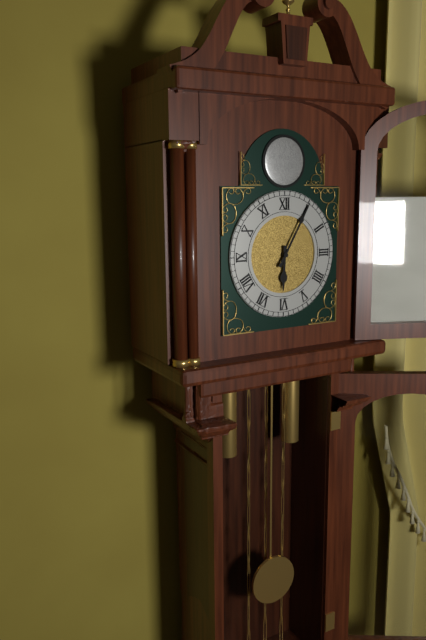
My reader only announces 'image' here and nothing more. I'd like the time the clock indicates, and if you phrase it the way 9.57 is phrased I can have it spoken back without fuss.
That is 6.05
